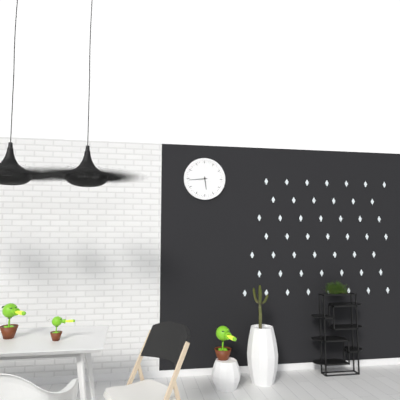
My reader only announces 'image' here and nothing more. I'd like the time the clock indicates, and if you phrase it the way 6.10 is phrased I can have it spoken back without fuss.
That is 5.44
